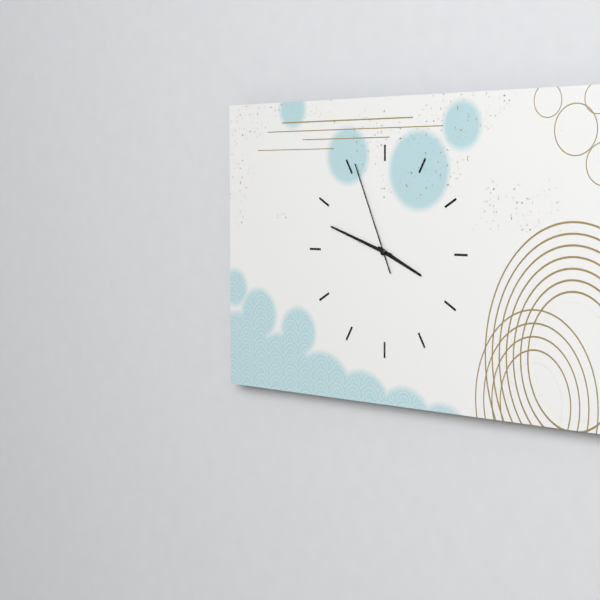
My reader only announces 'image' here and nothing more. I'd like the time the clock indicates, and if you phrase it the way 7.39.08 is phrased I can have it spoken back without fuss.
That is 3.48.56
